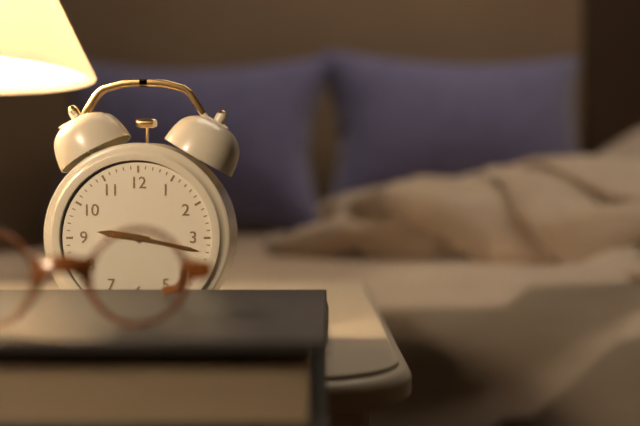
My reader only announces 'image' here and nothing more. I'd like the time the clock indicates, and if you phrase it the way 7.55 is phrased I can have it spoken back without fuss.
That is 9.17
